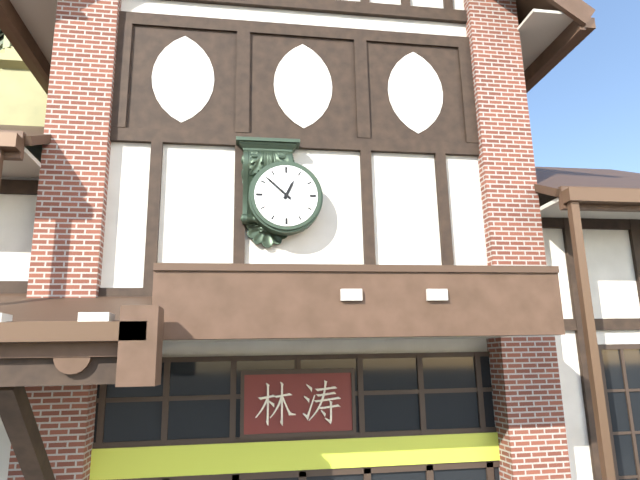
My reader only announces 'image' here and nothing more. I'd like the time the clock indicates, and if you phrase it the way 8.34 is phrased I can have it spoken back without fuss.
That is 12.52
